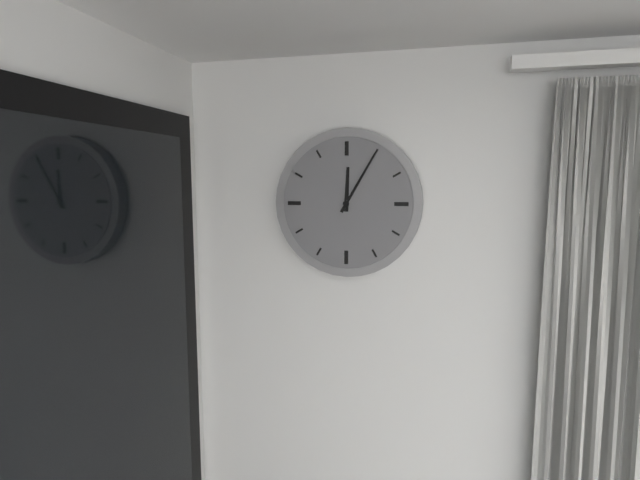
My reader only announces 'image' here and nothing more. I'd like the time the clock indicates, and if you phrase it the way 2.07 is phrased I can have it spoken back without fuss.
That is 12.05
